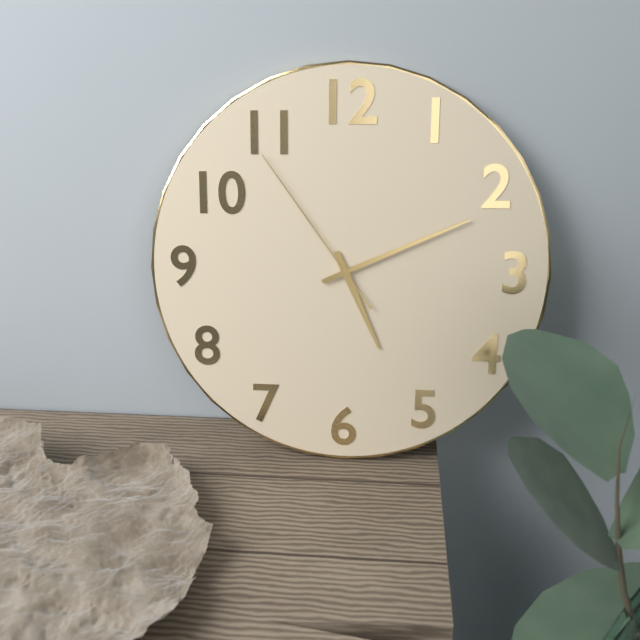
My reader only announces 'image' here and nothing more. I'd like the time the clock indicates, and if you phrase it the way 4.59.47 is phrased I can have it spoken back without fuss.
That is 5.11.54
